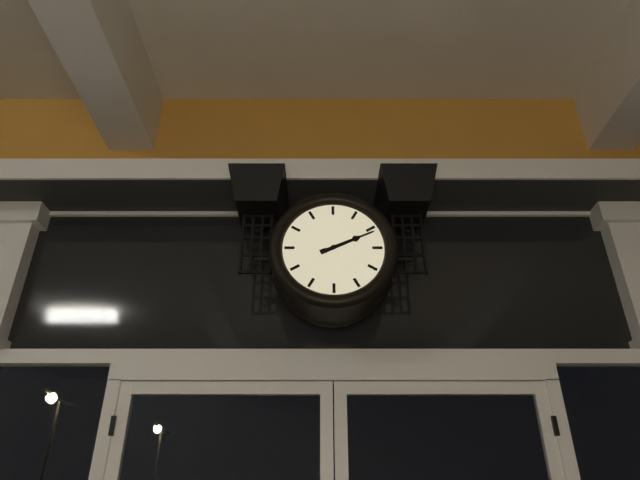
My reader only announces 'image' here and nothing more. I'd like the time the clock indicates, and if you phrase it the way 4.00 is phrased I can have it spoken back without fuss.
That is 2.11
